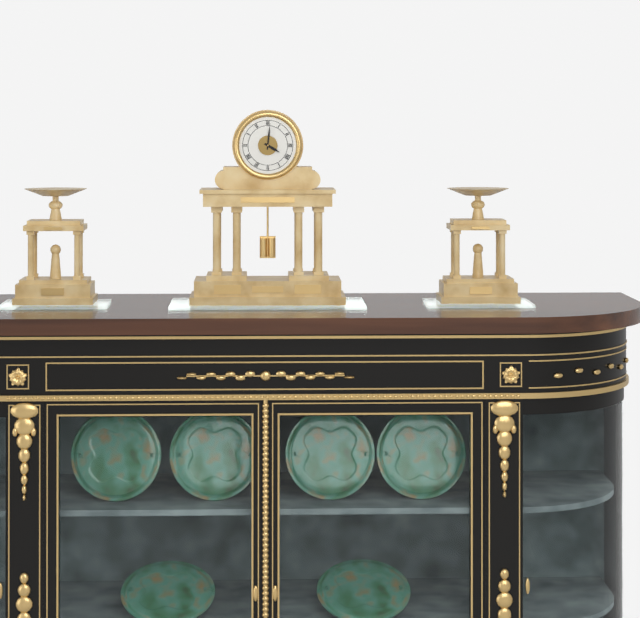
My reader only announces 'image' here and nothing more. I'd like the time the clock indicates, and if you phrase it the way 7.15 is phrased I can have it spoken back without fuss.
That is 4.01
